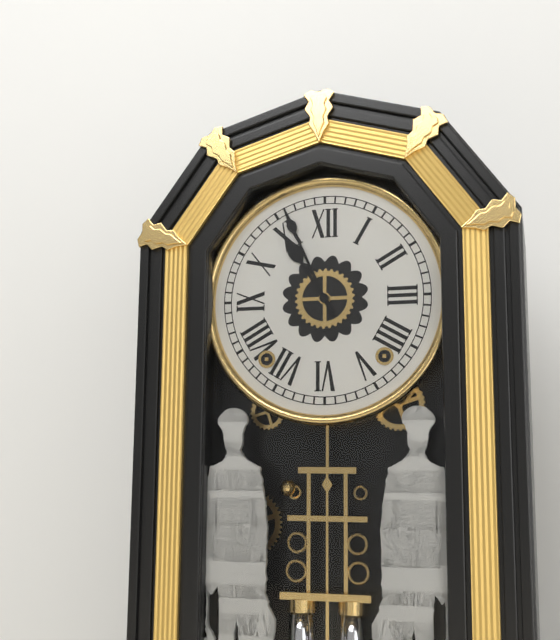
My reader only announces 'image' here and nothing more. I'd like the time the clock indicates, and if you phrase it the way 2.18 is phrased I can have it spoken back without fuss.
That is 10.56
